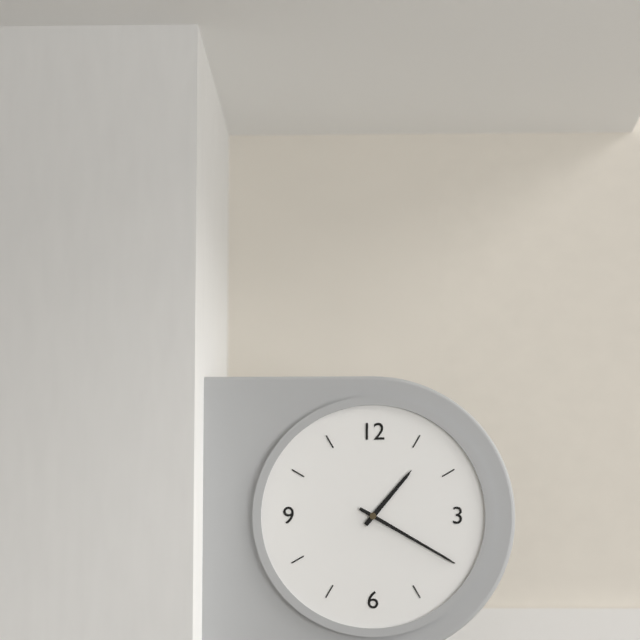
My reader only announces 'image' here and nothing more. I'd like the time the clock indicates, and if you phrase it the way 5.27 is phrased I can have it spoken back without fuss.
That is 1.20
